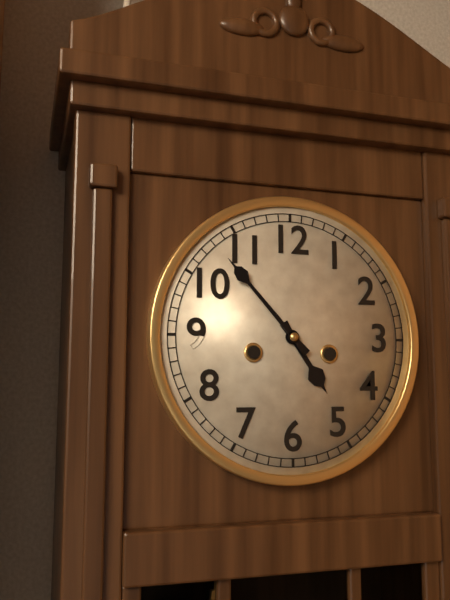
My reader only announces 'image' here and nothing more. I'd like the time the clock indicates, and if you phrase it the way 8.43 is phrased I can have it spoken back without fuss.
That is 4.53
